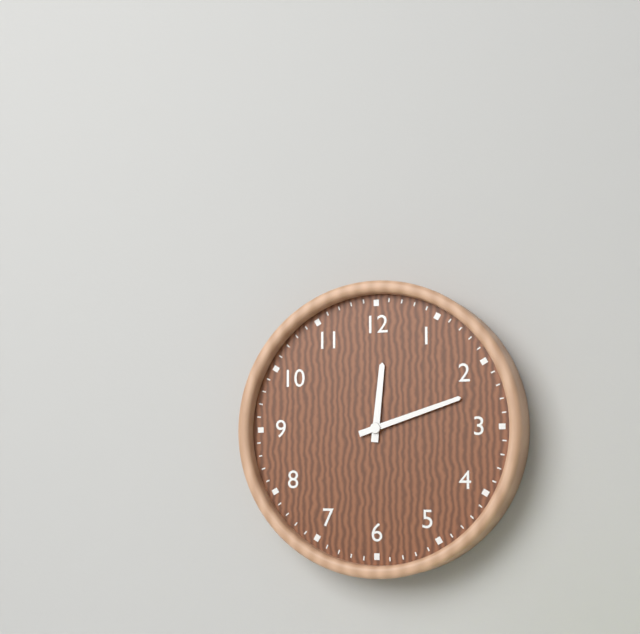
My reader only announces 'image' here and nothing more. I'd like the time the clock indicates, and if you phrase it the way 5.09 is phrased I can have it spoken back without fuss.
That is 12.12
